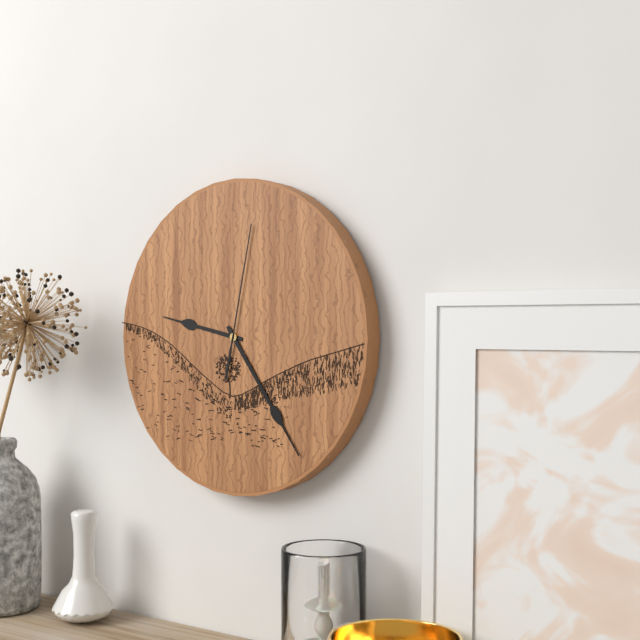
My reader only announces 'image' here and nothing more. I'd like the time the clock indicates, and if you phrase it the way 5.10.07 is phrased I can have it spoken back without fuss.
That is 9.24.02
